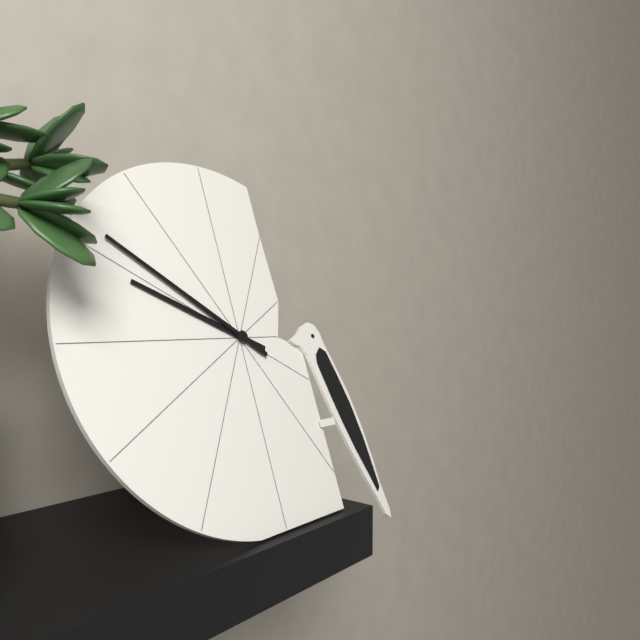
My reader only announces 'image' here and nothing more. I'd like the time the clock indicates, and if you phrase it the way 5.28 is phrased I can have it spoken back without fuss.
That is 9.51
